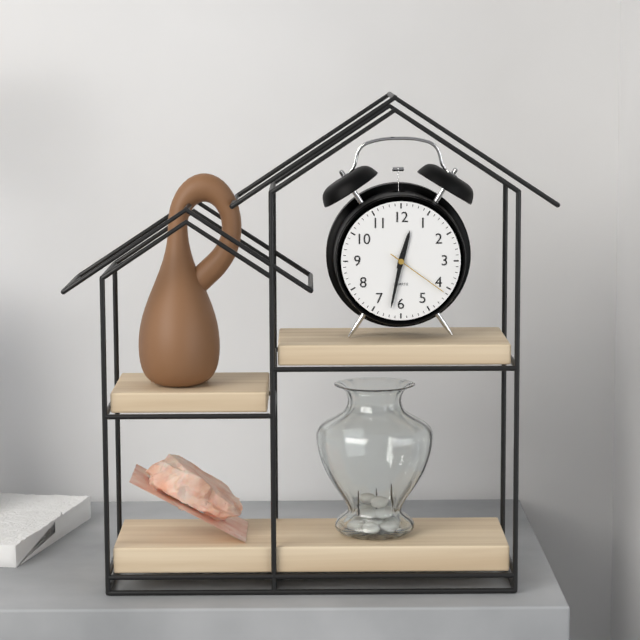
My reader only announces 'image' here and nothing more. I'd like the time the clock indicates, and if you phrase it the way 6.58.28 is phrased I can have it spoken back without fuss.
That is 12.32.21
